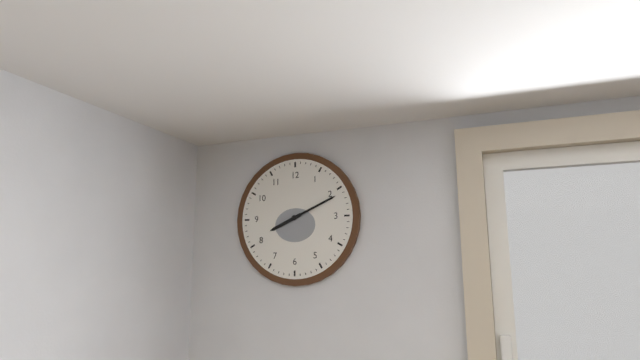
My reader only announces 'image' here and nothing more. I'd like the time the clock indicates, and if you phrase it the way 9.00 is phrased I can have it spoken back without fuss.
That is 8.11
